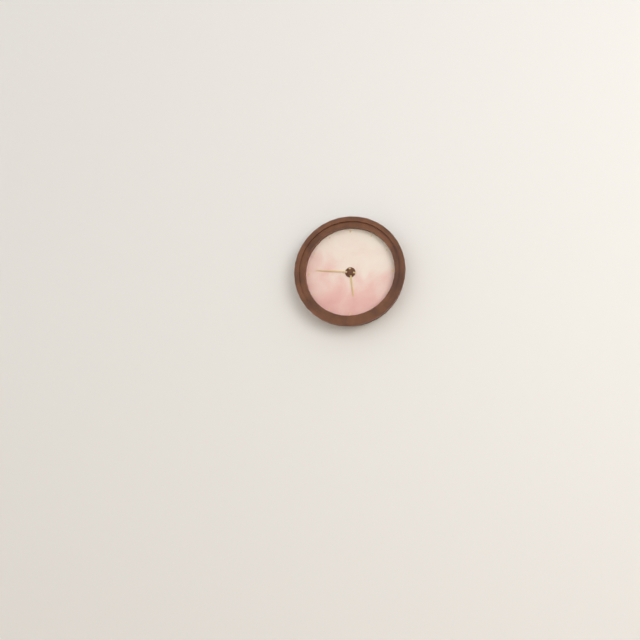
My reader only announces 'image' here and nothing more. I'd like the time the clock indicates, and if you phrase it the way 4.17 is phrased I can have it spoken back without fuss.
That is 5.46
